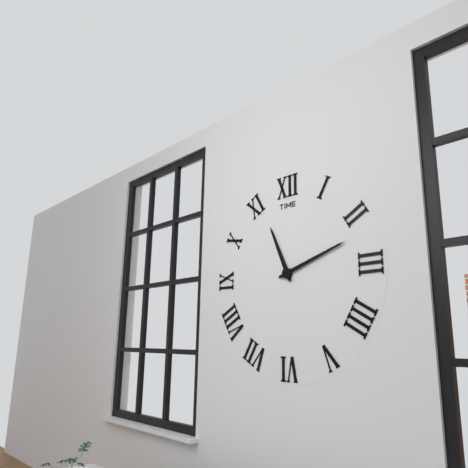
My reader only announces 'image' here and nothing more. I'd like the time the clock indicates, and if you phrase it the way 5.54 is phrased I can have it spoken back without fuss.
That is 11.12
